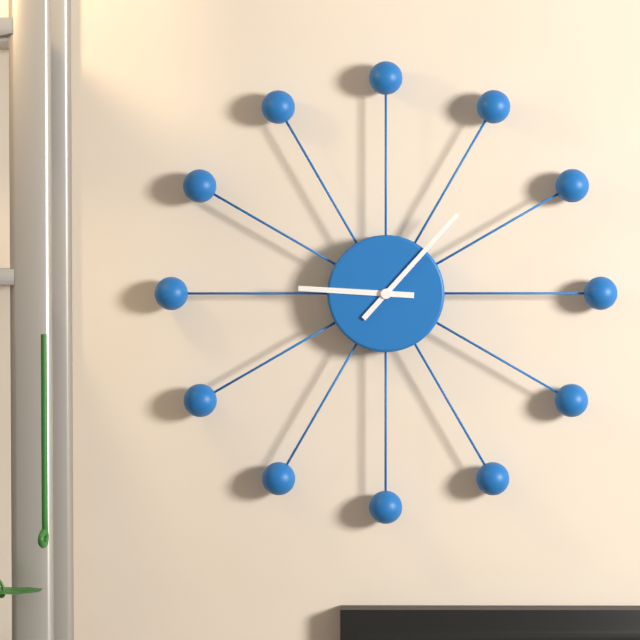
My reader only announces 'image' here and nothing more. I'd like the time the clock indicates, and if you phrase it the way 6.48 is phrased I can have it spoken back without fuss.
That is 9.07
